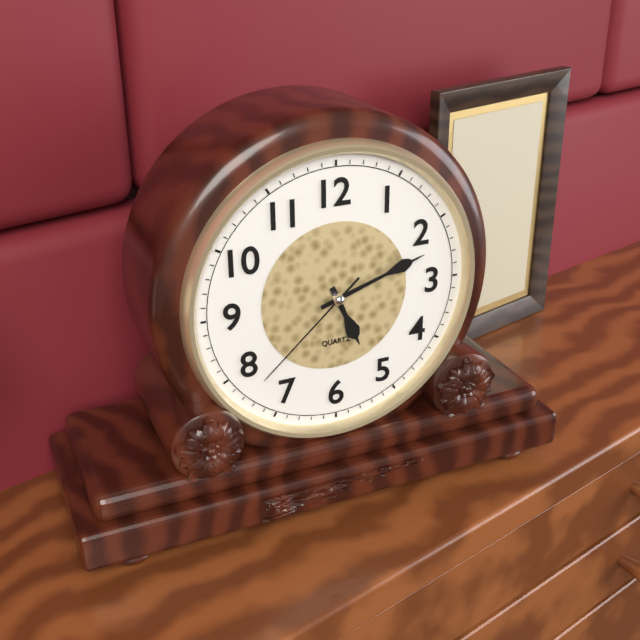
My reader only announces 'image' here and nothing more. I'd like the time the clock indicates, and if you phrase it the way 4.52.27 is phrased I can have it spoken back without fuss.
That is 5.12.38
